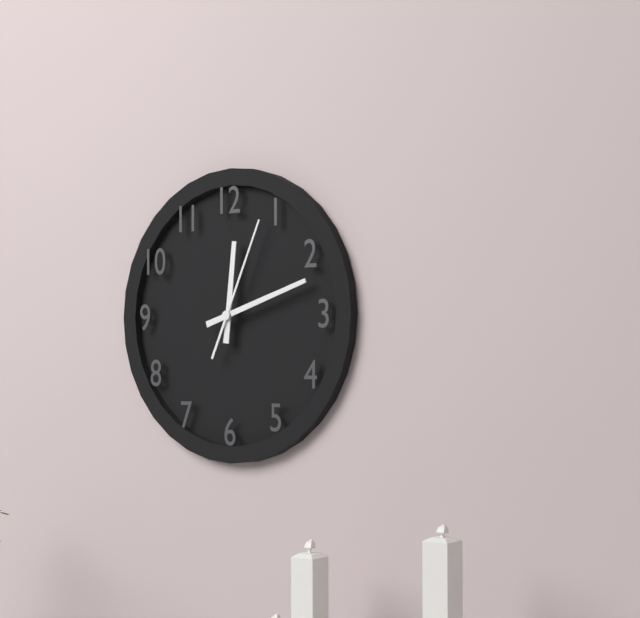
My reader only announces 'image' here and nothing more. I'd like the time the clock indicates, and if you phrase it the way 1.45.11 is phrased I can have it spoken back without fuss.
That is 12.12.04
